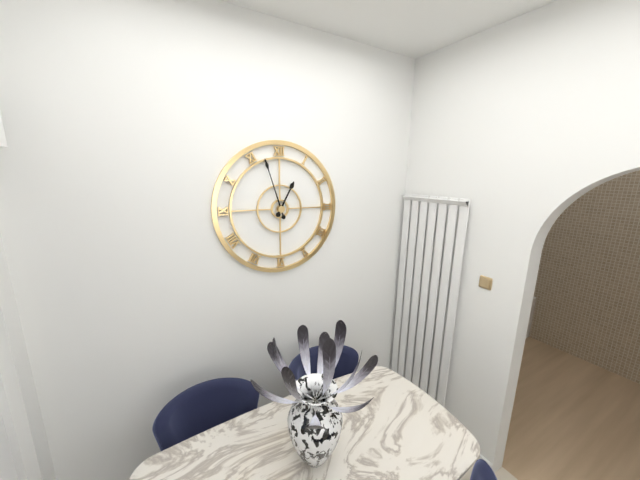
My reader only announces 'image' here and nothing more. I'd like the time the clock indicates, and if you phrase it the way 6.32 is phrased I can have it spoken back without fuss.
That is 12.57
